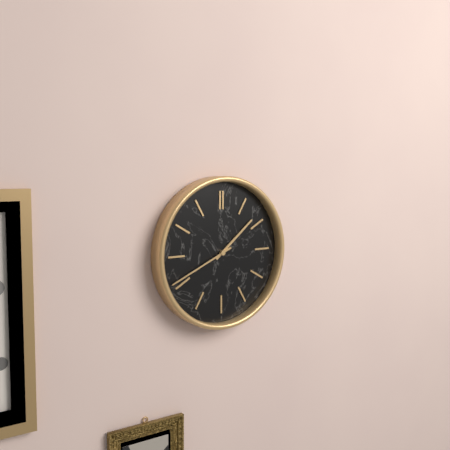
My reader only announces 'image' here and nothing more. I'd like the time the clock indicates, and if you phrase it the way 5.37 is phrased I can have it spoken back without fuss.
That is 1.41
